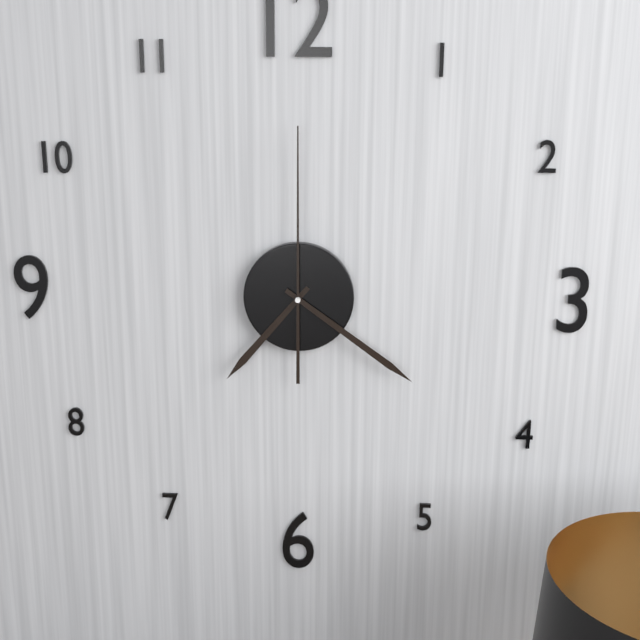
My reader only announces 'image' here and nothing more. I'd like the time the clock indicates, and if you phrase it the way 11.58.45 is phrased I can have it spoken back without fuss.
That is 7.21.00
